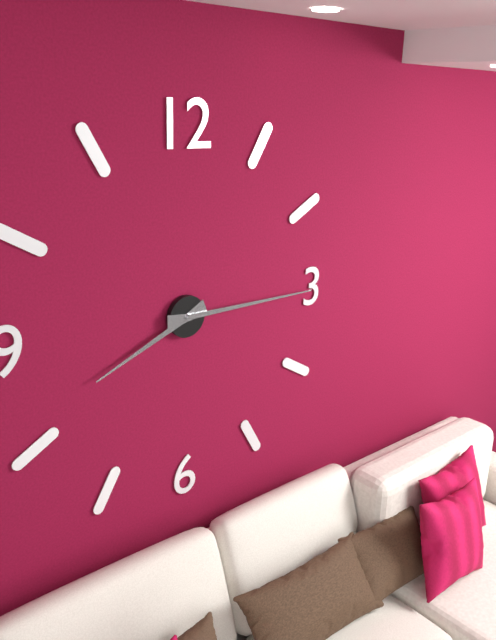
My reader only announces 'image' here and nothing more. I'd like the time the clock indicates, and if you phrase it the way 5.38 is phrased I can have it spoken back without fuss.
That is 8.15
